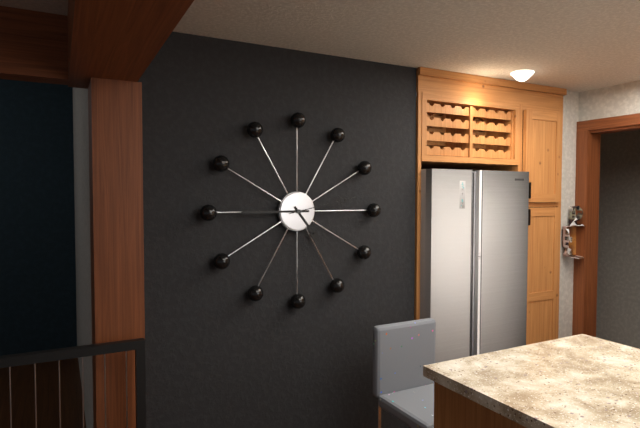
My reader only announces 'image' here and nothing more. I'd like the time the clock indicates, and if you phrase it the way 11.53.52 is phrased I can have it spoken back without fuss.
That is 4.45.13
